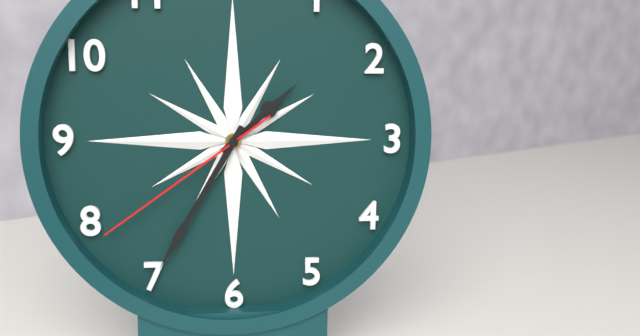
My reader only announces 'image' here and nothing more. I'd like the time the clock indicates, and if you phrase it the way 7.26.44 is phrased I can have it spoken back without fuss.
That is 1.35.39
